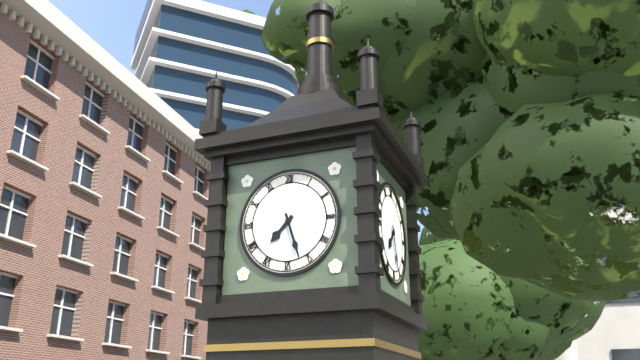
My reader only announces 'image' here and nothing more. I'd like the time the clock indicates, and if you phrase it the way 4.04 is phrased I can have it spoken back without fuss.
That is 7.27
